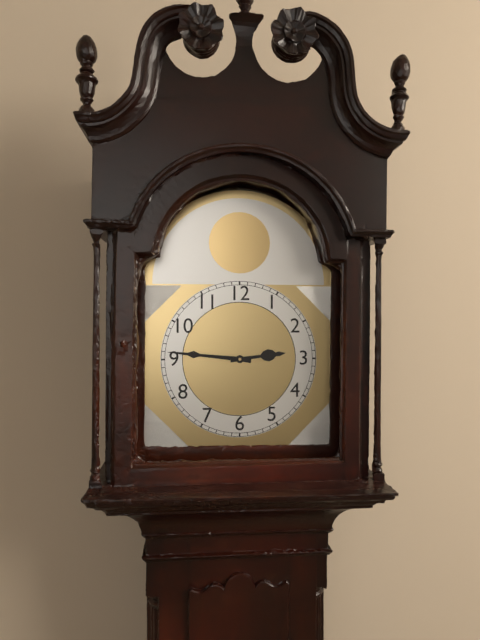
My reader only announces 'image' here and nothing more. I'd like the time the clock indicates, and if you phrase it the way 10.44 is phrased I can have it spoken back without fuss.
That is 2.46
